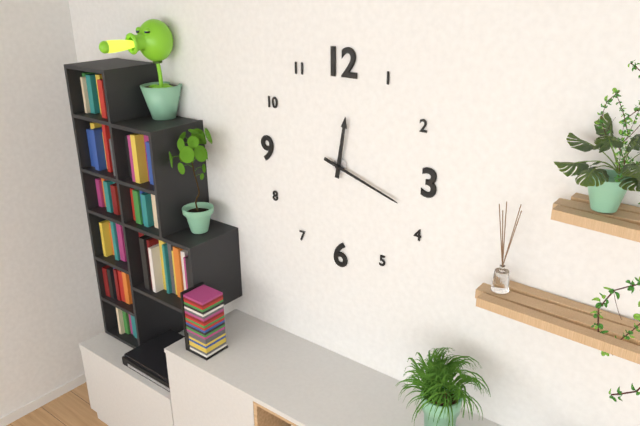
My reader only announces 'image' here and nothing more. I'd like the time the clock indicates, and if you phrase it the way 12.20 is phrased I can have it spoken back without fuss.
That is 12.18
